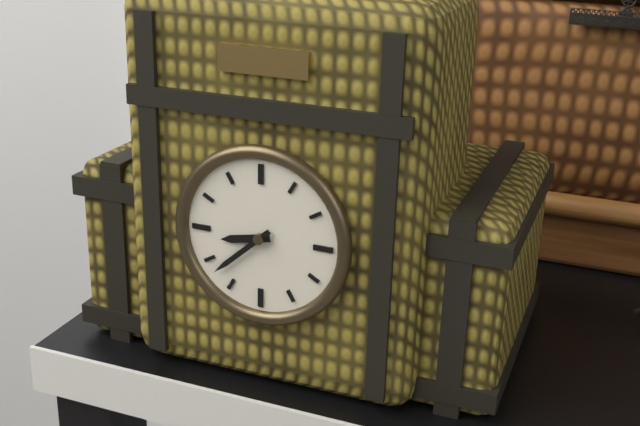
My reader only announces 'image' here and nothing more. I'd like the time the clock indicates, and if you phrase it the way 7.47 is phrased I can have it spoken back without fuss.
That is 8.38
